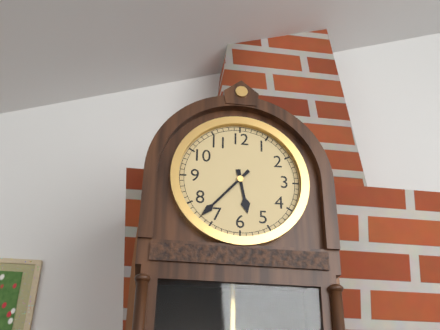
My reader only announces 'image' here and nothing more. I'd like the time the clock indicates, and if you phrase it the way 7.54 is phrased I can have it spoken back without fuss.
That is 5.37
